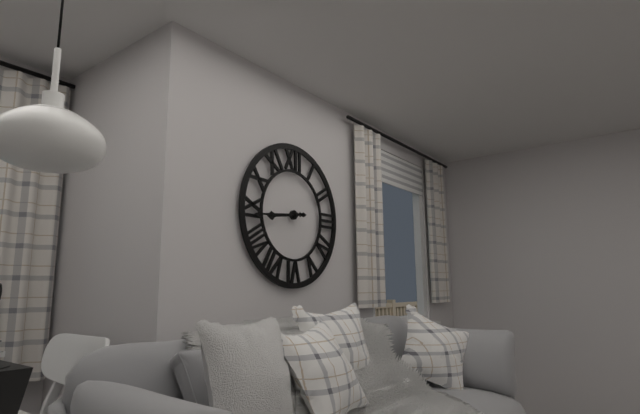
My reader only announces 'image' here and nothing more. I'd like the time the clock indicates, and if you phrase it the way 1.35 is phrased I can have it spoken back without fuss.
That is 8.44
